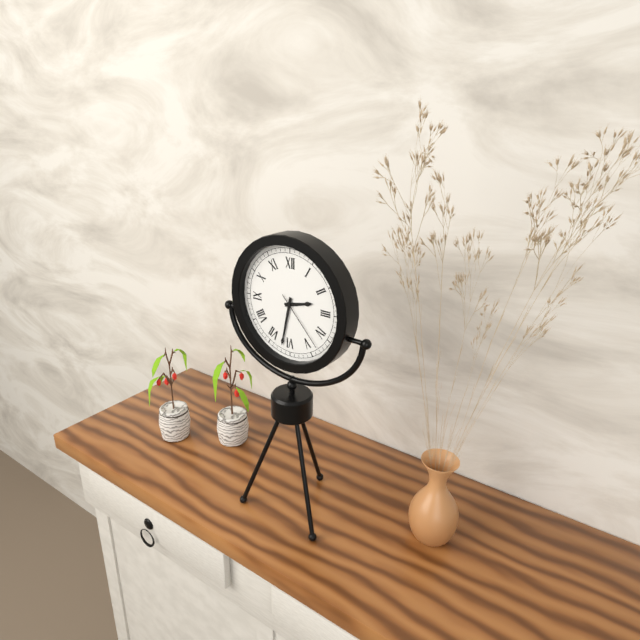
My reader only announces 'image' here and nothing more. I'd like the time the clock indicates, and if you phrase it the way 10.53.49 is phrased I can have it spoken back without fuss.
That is 2.32.23
